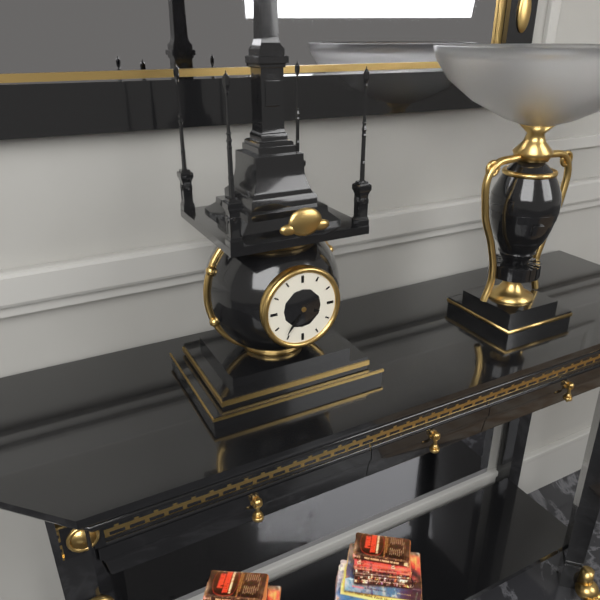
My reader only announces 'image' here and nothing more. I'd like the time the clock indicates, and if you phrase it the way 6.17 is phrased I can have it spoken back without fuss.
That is 3.36
